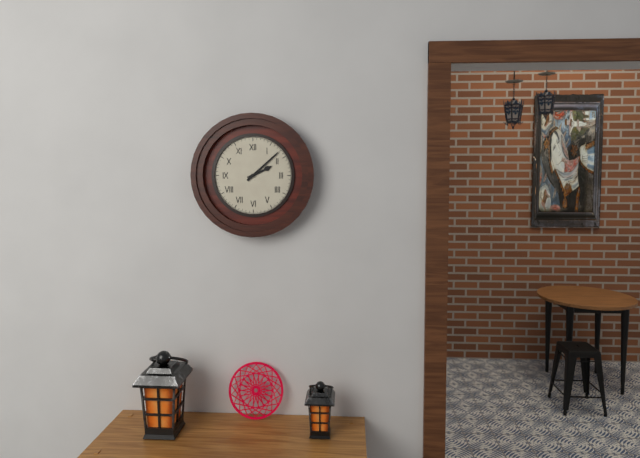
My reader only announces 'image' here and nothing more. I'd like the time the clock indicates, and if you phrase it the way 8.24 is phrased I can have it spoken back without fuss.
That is 2.08
